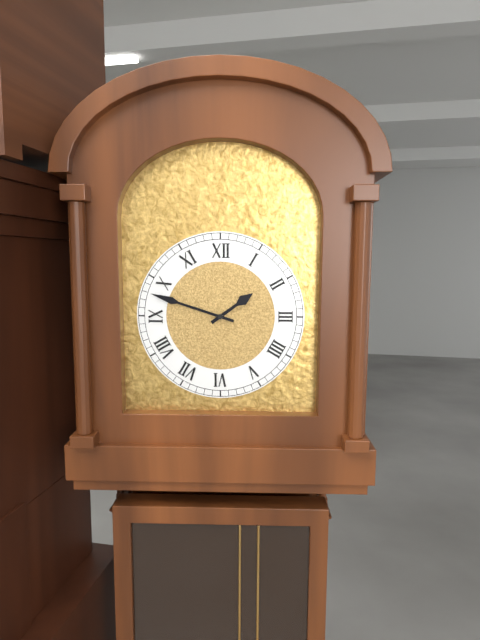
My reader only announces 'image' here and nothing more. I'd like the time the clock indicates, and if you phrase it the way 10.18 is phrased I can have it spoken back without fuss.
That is 1.48
